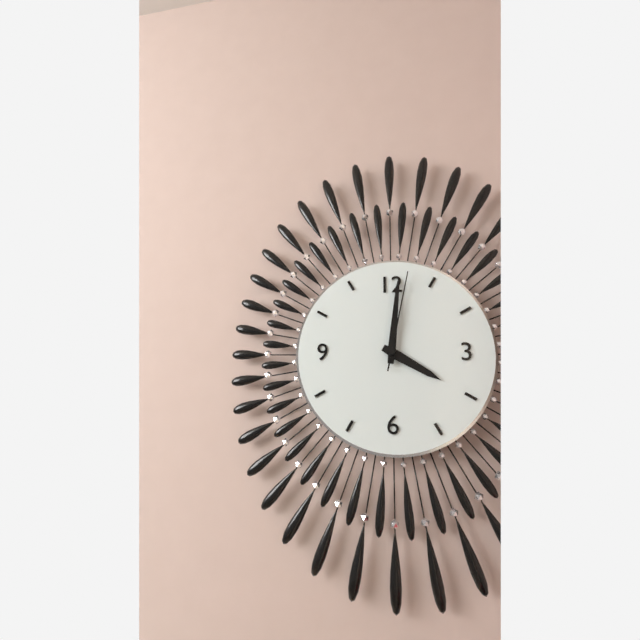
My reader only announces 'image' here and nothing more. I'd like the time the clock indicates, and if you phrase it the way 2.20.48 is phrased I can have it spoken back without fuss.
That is 4.01.02
